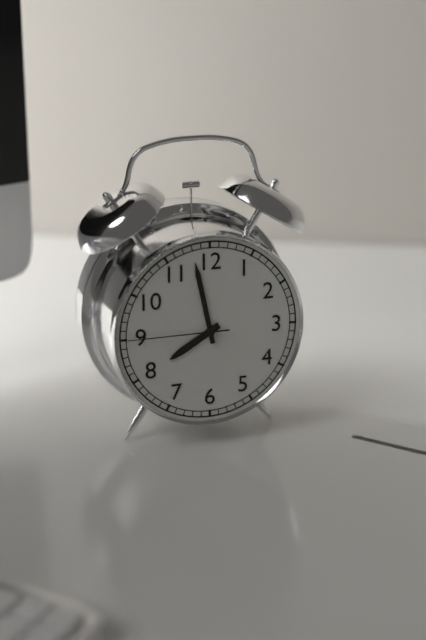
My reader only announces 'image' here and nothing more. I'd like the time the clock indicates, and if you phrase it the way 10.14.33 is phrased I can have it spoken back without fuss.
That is 7.58.45
